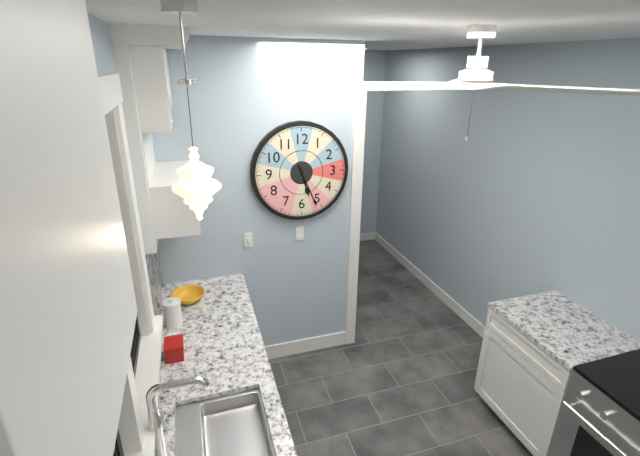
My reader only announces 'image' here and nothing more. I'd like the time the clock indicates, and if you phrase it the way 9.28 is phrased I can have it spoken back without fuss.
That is 5.26
